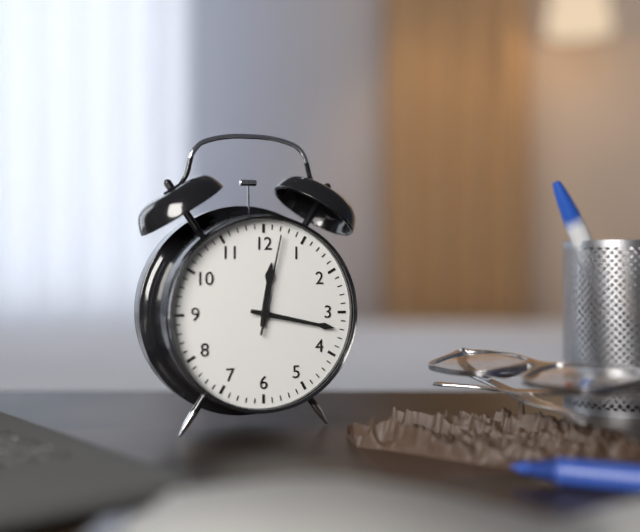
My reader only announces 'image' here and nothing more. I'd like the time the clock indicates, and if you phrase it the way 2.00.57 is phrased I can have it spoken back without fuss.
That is 12.17.02
